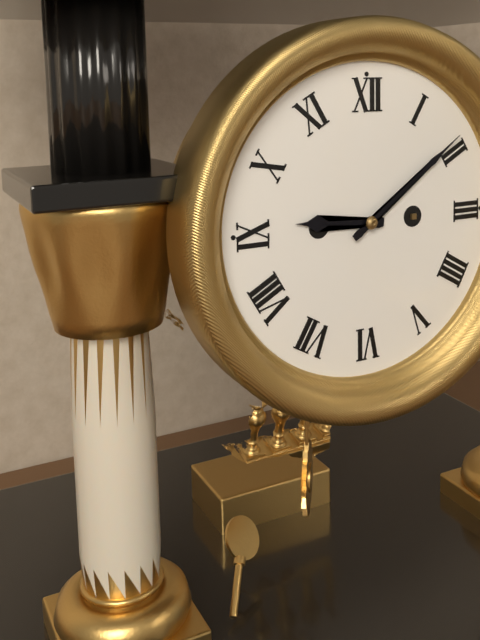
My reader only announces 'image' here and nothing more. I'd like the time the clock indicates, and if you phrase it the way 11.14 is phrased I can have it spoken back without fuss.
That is 9.09
